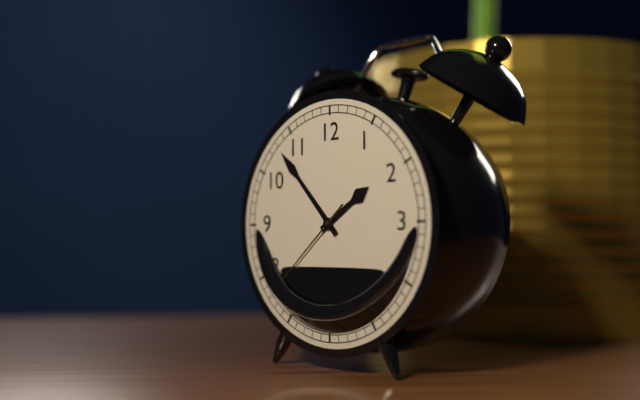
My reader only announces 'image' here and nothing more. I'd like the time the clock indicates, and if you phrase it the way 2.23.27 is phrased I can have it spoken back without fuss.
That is 1.53.38
